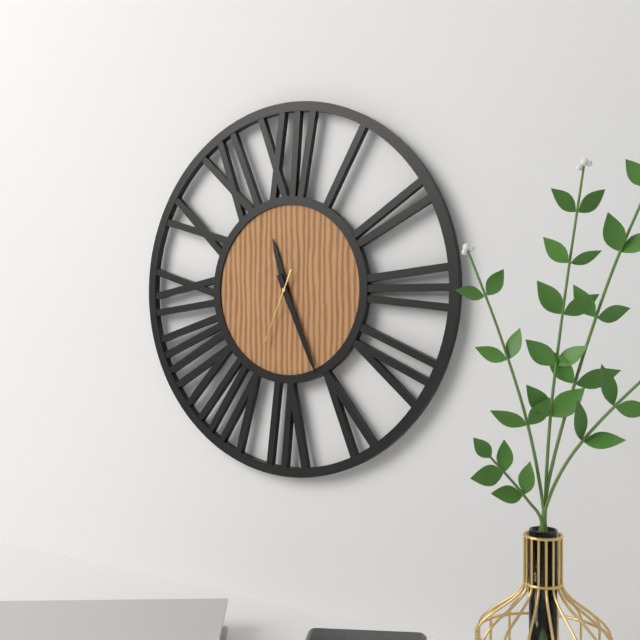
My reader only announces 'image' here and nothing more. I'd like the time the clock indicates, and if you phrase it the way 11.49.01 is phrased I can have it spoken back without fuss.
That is 11.26.34
